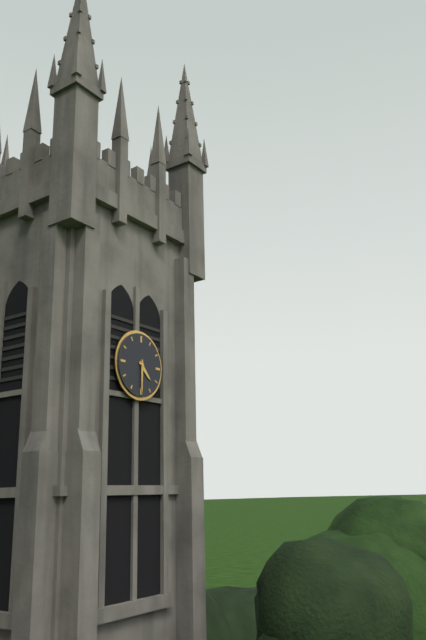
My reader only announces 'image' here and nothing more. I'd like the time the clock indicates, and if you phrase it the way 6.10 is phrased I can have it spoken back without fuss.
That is 4.30
